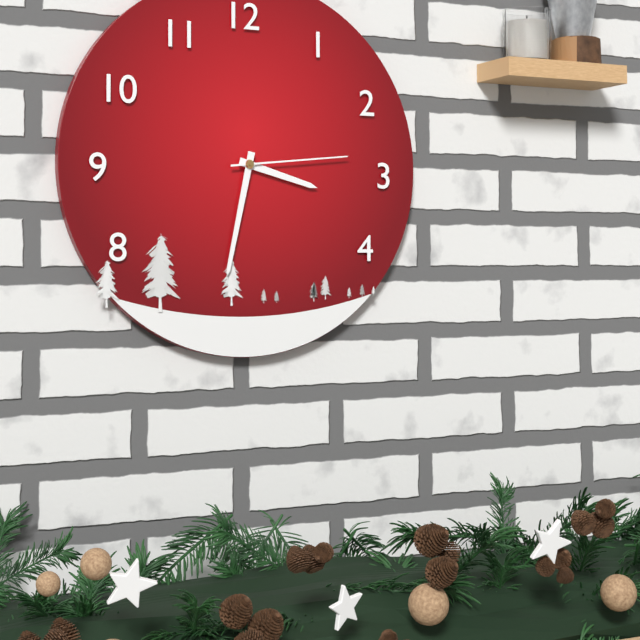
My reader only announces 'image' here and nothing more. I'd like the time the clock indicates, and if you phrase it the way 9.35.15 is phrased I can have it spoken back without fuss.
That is 3.32.14
